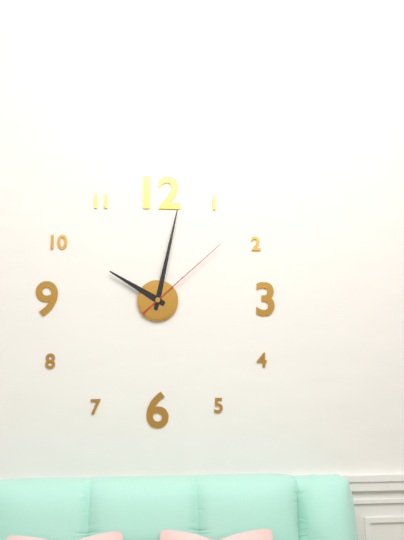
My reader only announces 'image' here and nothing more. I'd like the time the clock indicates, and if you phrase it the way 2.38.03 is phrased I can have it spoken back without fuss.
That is 10.02.08
